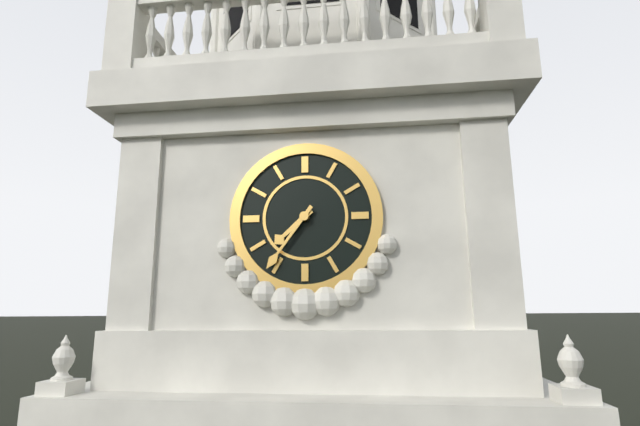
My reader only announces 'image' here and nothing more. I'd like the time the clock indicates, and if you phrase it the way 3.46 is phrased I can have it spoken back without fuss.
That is 7.36
